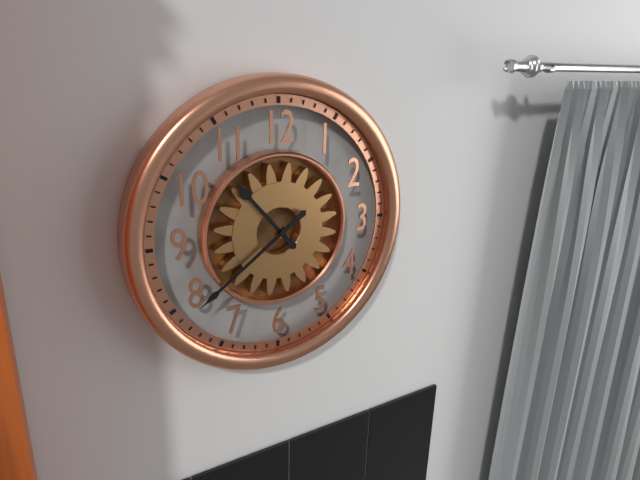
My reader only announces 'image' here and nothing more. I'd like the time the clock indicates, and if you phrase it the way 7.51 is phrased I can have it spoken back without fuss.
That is 10.39
